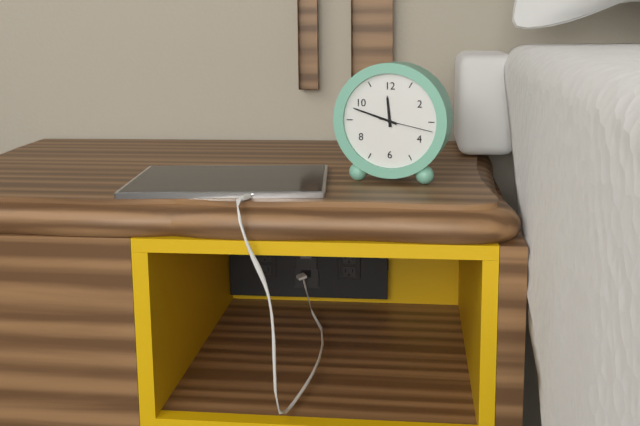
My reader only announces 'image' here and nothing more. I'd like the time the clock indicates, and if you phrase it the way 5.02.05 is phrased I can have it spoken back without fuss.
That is 11.48.17
